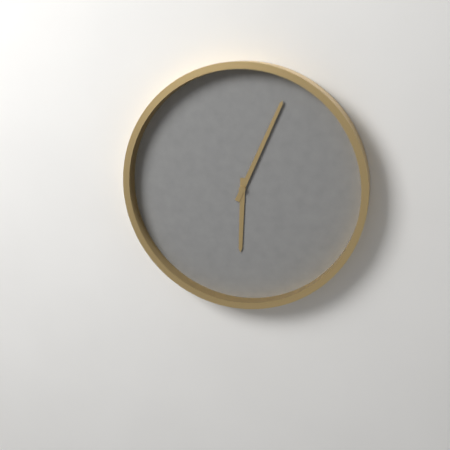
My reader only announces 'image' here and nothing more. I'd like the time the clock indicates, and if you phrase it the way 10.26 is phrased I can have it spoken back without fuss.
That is 6.04
